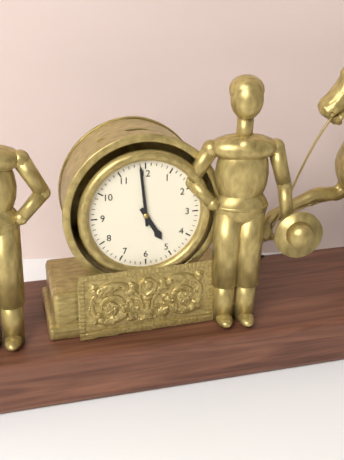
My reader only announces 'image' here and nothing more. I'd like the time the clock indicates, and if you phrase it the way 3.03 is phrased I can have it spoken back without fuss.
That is 4.59
